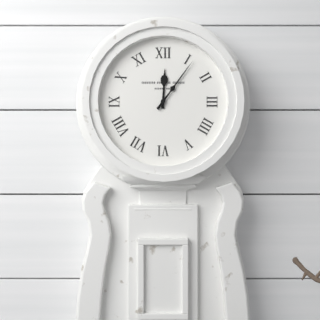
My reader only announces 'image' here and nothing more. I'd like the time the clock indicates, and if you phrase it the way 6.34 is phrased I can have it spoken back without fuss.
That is 12.06
